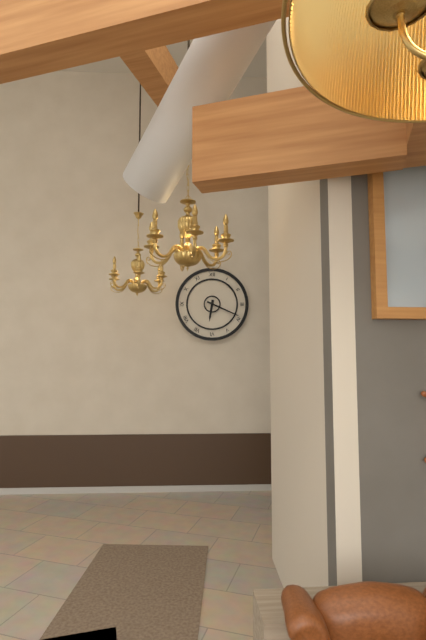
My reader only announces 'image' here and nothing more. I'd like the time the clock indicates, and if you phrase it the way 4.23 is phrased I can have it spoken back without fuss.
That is 6.19
